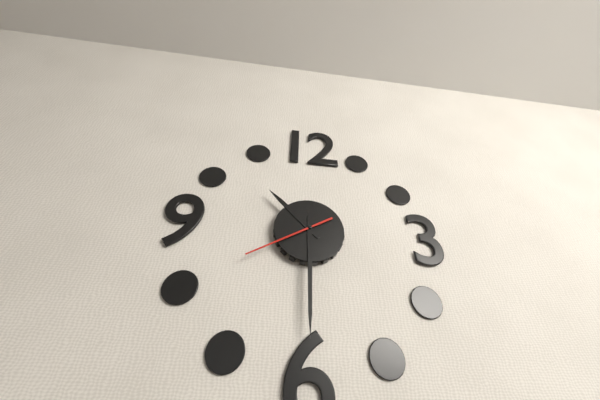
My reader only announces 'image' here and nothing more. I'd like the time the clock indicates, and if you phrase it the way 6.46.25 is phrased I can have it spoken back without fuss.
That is 10.30.40
